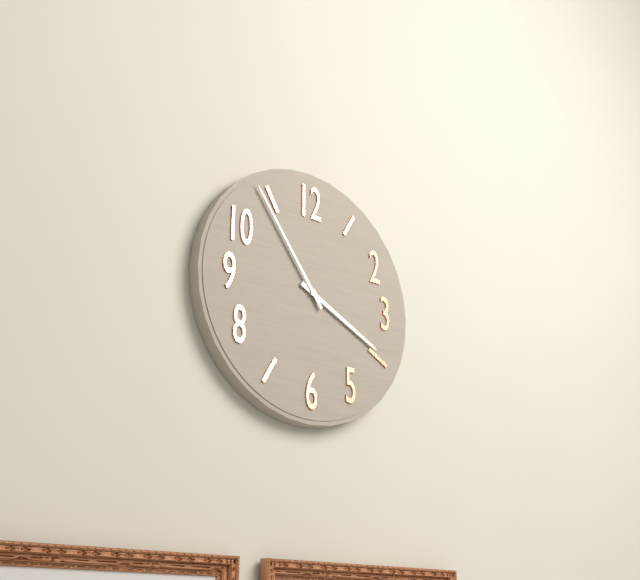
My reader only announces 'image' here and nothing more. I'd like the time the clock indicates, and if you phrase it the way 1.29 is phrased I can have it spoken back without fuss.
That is 3.54
